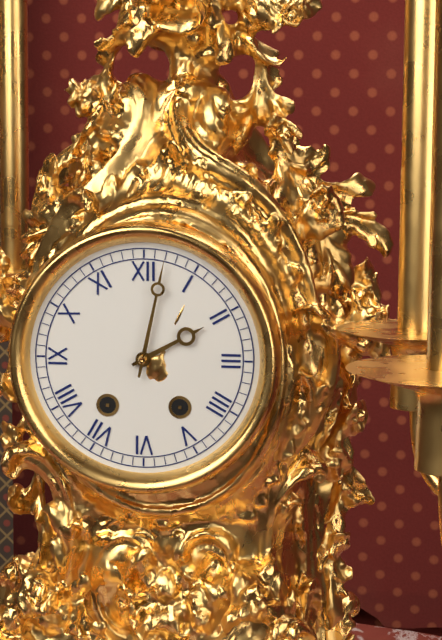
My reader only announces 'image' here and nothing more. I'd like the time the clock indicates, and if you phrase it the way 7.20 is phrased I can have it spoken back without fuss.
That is 2.02
